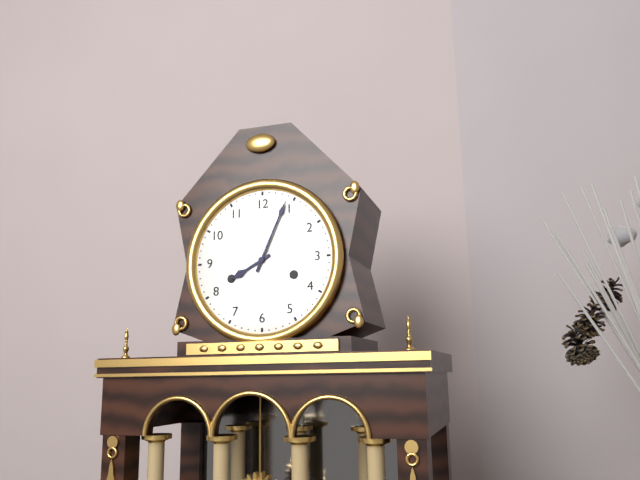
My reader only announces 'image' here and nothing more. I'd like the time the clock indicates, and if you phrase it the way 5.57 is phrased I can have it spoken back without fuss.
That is 8.04
